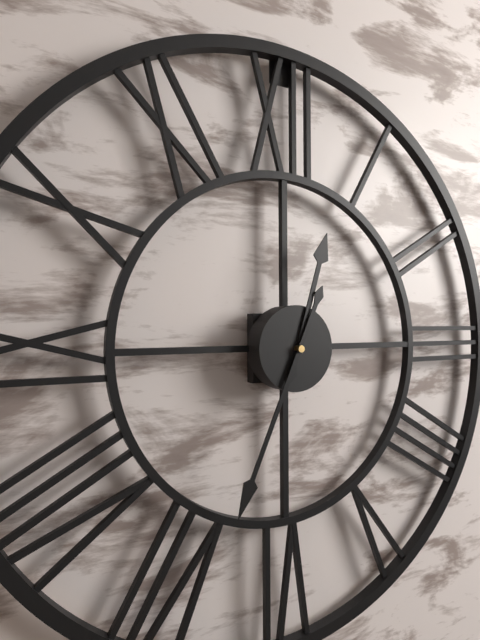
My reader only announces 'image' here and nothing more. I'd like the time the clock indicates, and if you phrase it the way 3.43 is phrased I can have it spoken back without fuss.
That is 12.34
